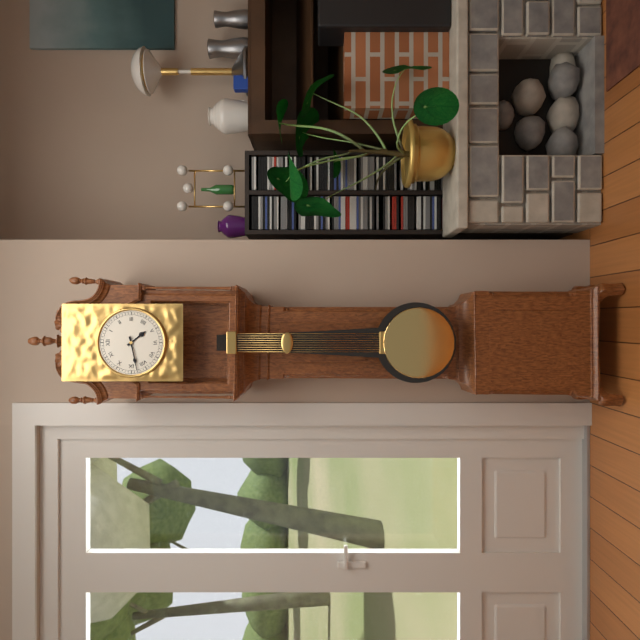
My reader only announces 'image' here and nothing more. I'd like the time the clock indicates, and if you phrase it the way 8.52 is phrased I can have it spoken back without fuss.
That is 4.43
